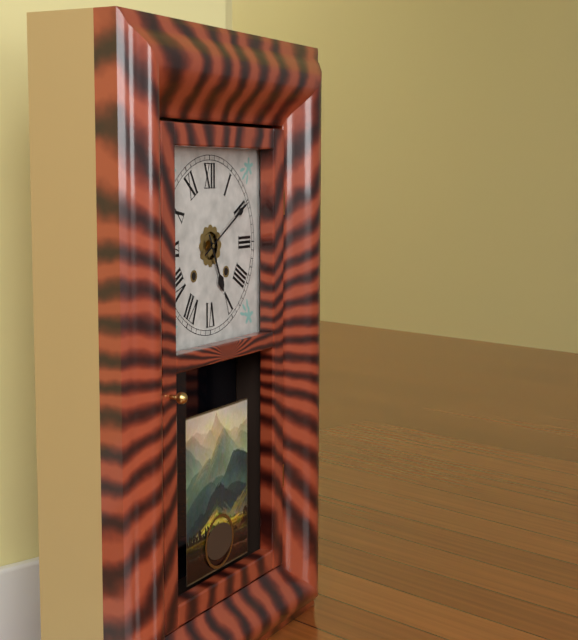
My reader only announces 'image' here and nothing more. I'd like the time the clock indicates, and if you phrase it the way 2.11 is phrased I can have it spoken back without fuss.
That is 5.10
